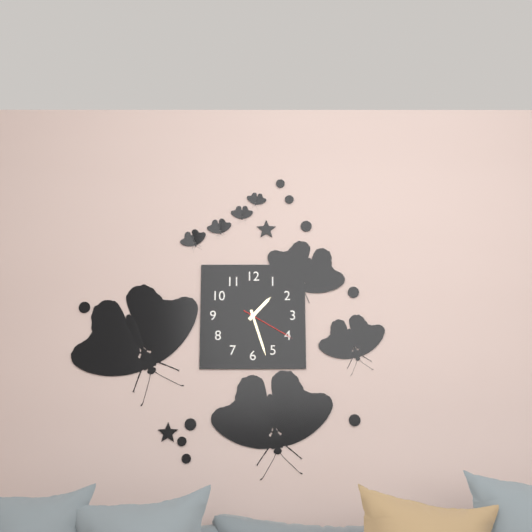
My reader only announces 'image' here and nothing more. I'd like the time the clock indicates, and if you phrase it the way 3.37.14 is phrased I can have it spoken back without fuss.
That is 1.27.20
